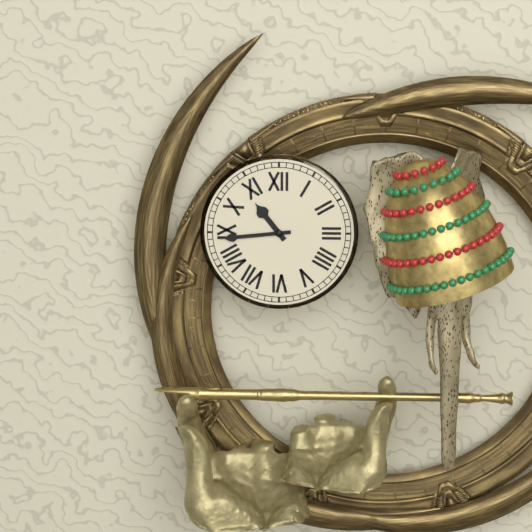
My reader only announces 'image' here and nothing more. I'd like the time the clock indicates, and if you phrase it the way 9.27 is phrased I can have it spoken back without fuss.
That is 10.44
